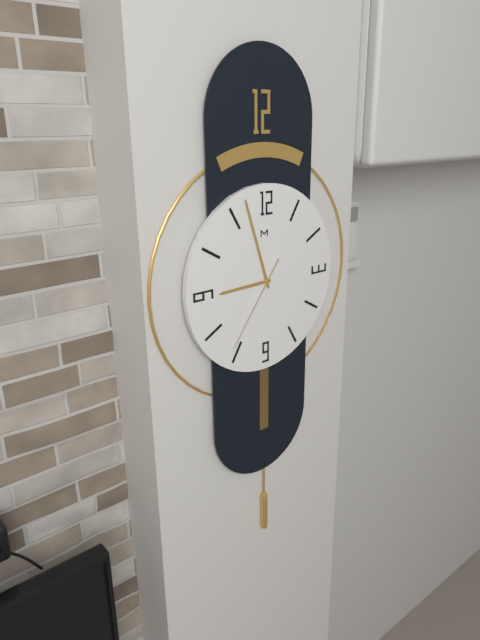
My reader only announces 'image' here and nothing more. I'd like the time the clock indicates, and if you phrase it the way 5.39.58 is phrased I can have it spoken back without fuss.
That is 8.57.36
